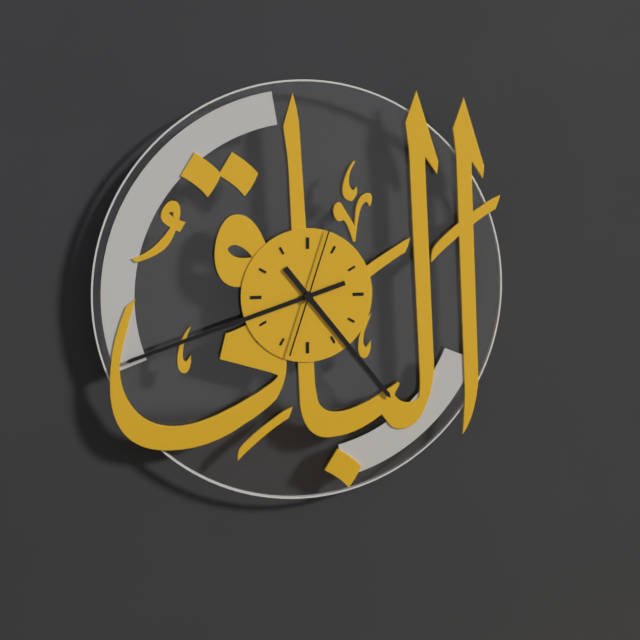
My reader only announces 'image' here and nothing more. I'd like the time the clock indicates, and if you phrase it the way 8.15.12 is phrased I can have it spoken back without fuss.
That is 4.42.03
